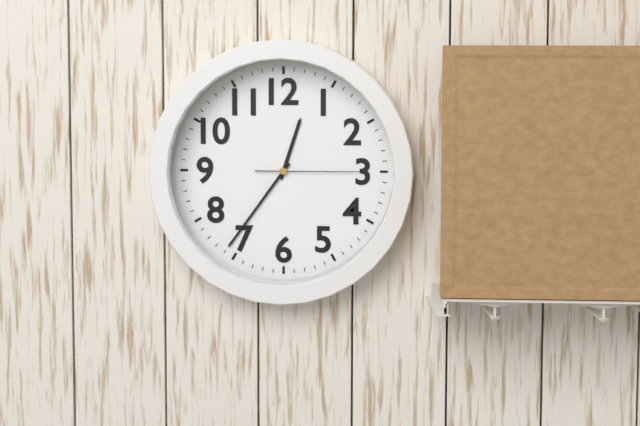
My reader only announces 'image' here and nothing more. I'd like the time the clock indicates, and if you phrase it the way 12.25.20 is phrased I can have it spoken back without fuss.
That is 12.36.15
